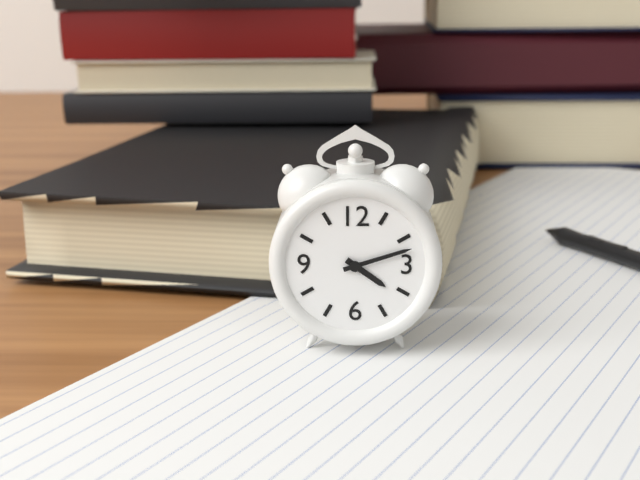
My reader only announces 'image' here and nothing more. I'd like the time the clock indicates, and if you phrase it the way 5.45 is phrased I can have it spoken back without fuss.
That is 4.12
